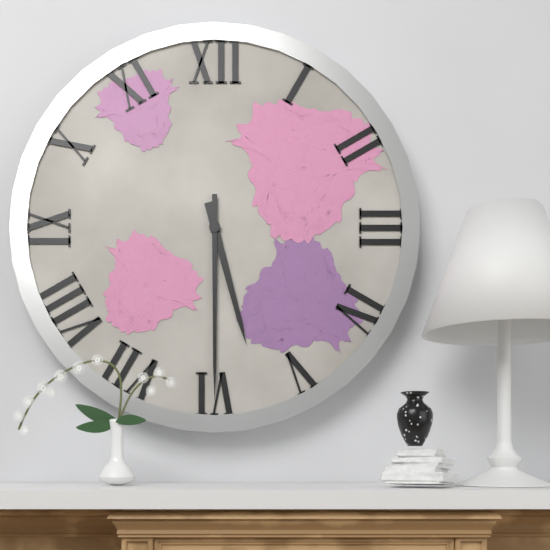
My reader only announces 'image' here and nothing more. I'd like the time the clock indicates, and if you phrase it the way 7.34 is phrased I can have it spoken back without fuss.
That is 5.30
